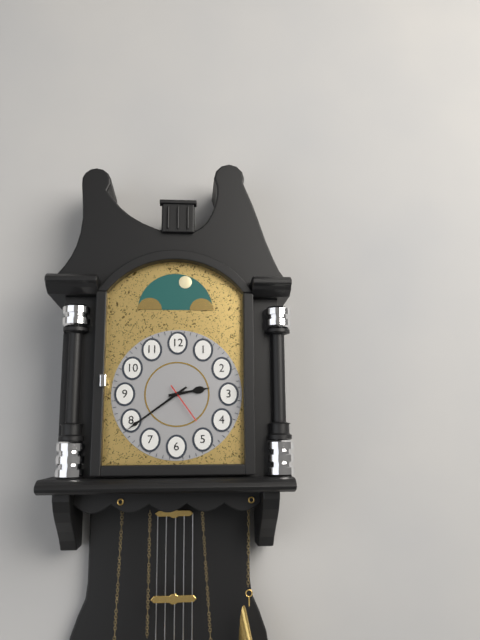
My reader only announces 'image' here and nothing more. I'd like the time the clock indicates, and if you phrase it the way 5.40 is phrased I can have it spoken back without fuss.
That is 2.39
